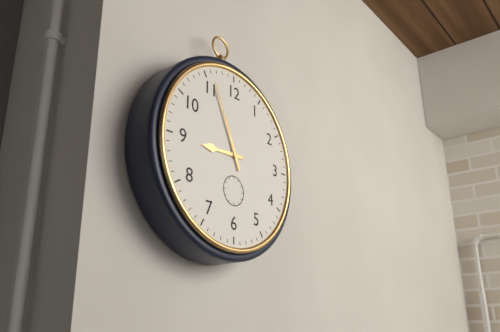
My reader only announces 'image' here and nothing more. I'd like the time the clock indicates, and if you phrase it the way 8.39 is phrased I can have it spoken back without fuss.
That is 8.56
